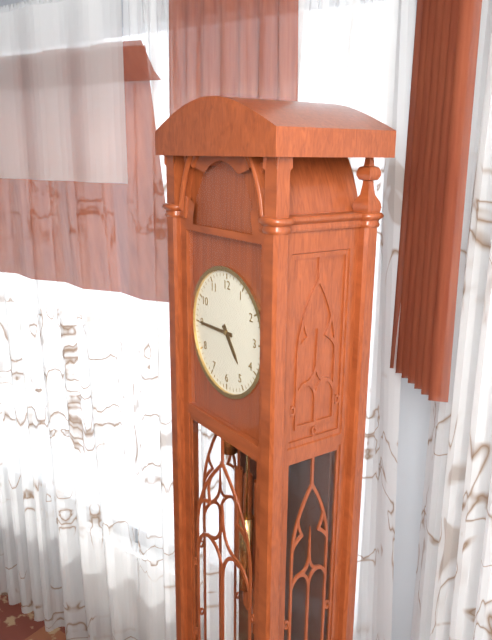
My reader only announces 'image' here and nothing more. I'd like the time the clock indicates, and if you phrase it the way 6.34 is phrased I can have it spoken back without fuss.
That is 4.45
